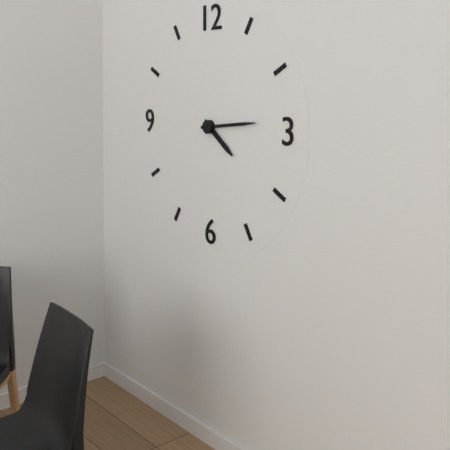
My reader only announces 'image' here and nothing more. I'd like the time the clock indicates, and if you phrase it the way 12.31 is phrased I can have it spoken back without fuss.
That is 4.14
